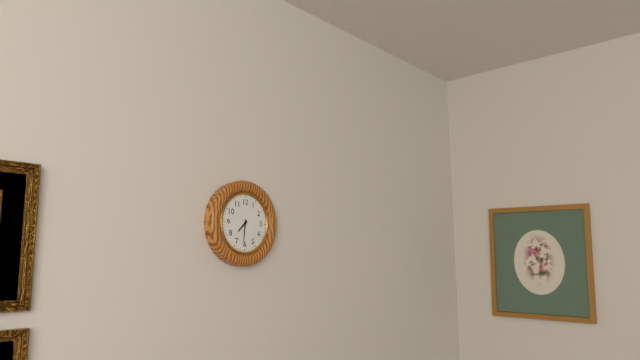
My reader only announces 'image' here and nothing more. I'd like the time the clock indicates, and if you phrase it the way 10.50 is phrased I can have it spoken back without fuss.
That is 7.31
